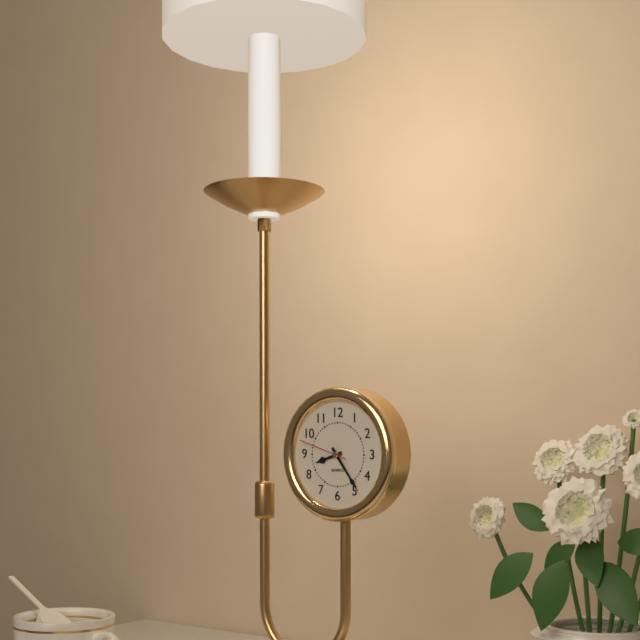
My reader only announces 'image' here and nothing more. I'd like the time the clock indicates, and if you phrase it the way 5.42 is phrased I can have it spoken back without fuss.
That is 8.24
